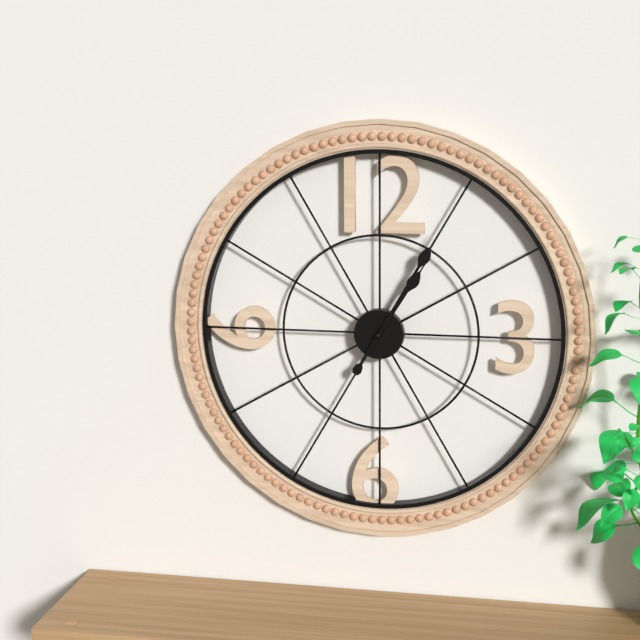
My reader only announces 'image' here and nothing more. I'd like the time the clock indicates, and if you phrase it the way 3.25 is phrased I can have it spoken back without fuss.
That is 1.05
